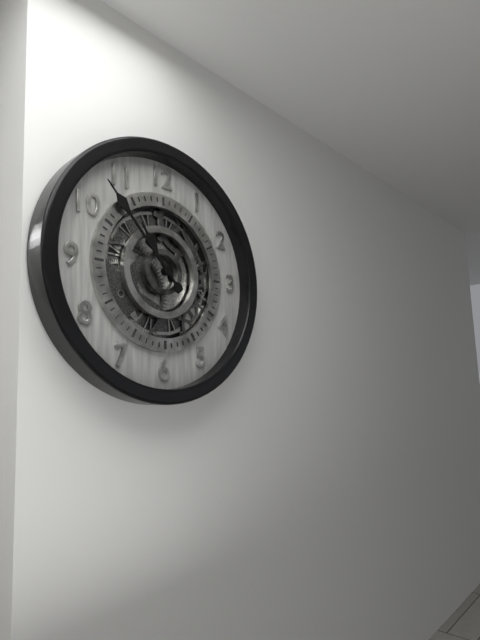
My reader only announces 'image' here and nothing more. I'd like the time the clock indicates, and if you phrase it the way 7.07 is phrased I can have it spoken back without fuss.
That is 10.53
